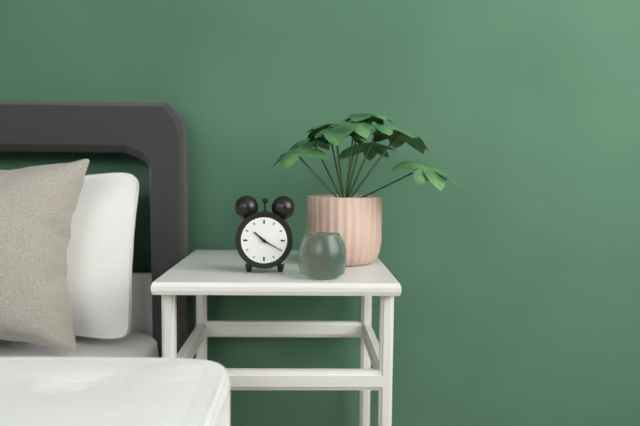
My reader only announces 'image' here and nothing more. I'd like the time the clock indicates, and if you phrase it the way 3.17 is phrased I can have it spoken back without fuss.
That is 10.20
